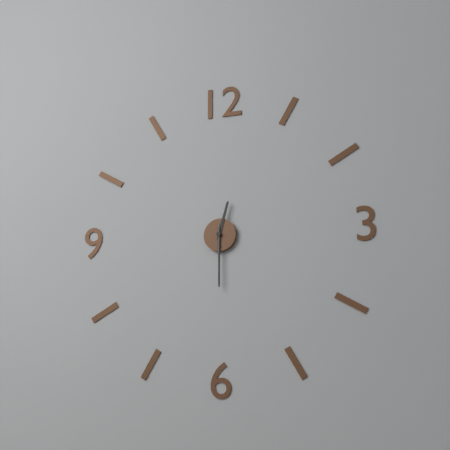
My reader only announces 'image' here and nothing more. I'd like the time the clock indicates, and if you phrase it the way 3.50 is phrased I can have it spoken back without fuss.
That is 12.30
